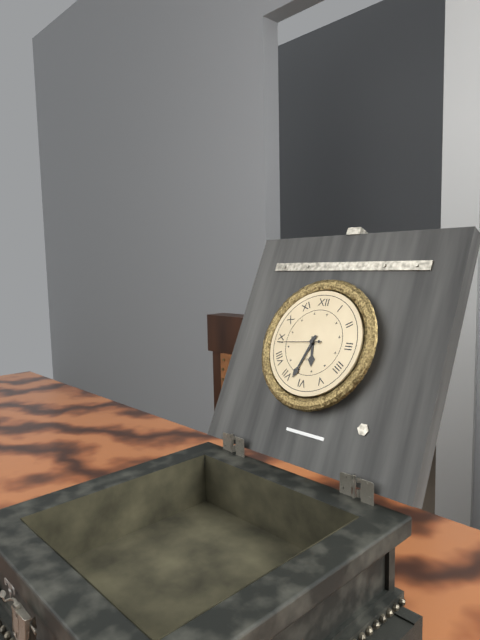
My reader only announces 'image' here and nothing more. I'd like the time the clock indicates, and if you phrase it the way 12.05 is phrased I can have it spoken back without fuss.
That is 5.33
